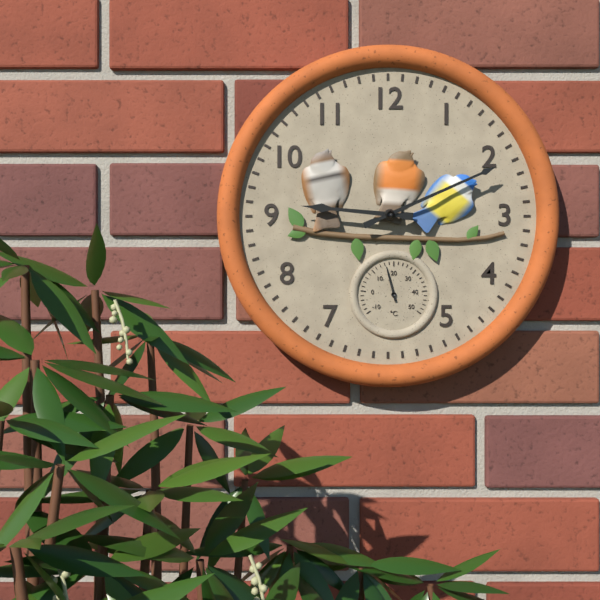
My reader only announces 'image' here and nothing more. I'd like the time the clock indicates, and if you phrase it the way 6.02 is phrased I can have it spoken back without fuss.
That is 9.11
